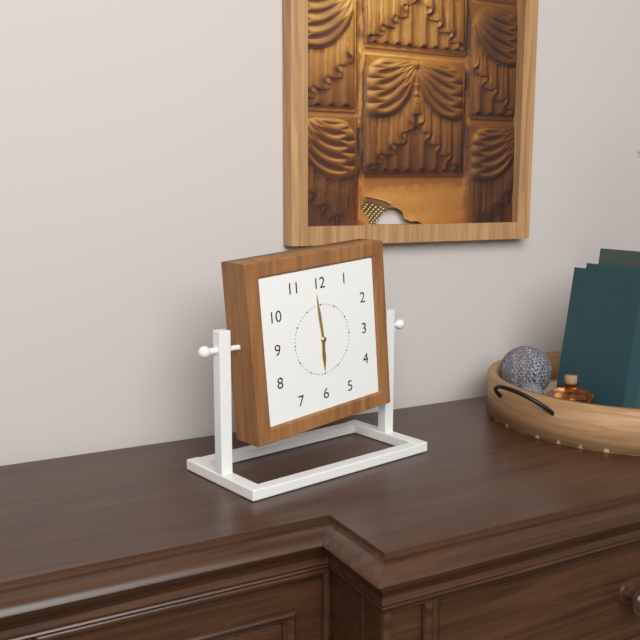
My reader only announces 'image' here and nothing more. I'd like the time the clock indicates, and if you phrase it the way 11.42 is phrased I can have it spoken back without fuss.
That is 5.59
